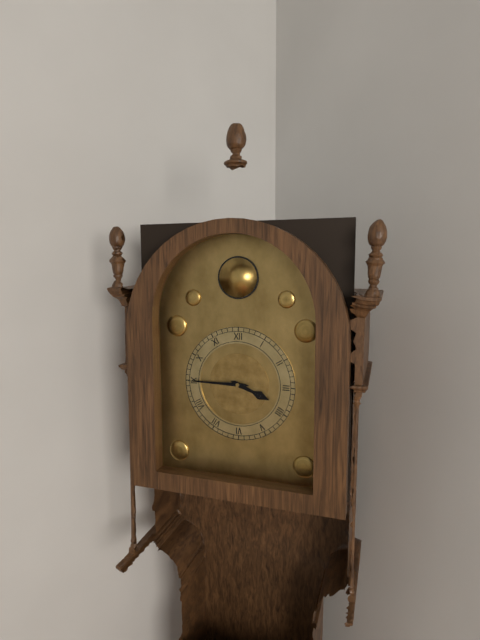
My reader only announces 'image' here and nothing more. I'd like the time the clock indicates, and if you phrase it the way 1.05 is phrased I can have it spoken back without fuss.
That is 3.45
